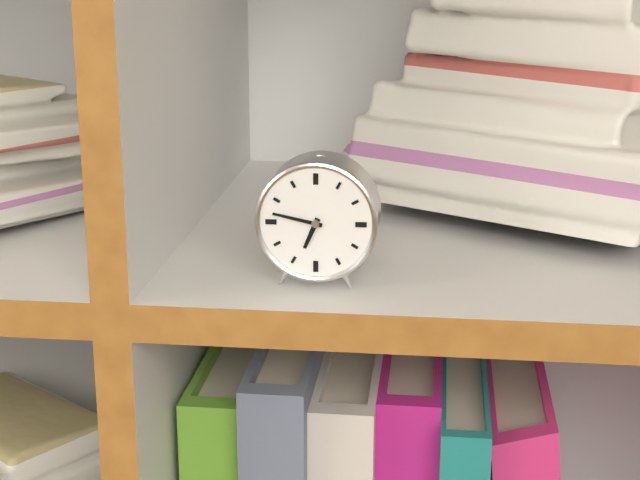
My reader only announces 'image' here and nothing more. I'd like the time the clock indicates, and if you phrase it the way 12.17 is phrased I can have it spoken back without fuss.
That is 6.47
